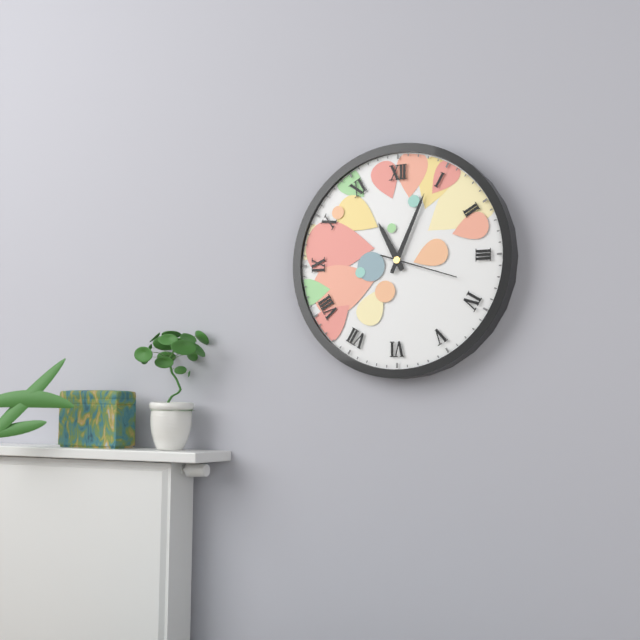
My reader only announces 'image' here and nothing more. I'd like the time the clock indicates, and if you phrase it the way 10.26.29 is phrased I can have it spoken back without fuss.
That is 11.04.18
